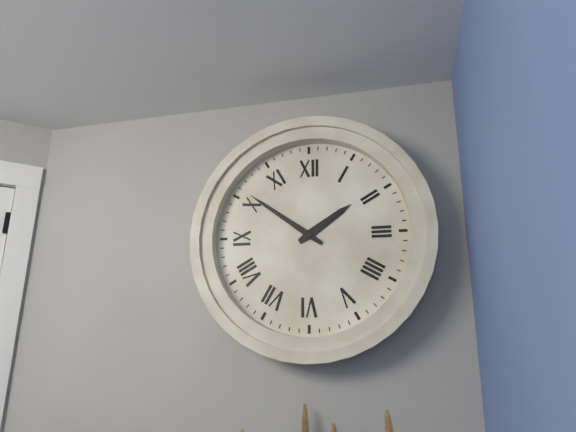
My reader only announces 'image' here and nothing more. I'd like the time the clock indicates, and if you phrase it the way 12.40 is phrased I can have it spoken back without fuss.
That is 1.51
